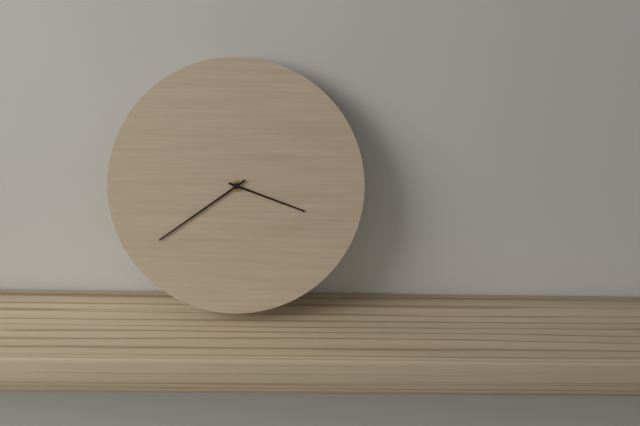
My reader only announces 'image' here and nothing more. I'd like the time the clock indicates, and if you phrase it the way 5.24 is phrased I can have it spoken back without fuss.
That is 3.39
